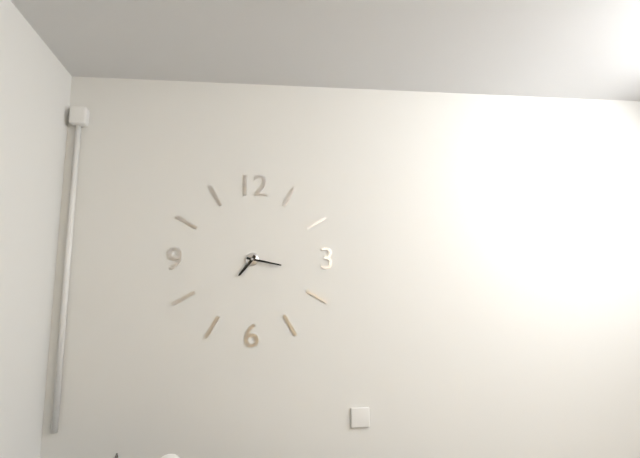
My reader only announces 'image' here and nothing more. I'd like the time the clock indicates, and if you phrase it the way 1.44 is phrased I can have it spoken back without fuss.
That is 7.17
